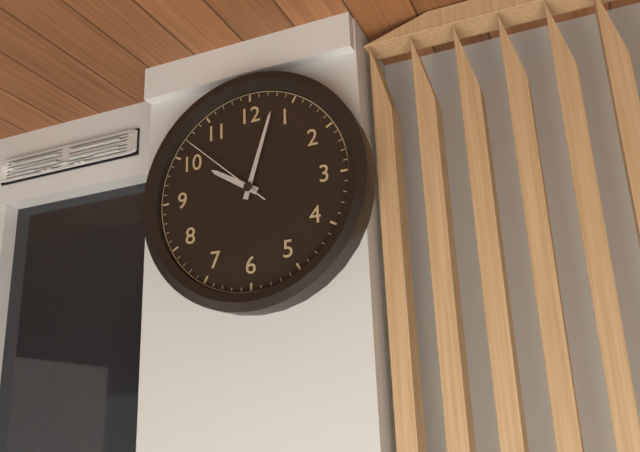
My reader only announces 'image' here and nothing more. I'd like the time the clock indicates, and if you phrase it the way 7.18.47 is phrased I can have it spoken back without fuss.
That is 10.03.52
